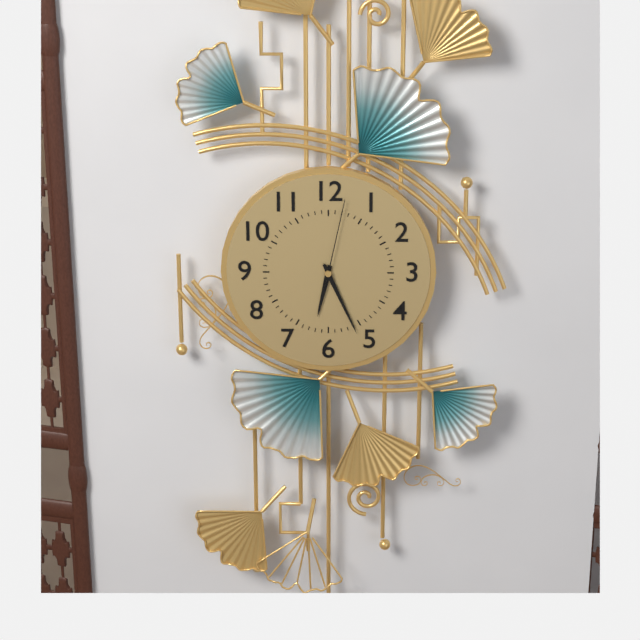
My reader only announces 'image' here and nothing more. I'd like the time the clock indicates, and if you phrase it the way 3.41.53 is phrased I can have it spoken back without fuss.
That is 6.26.02
